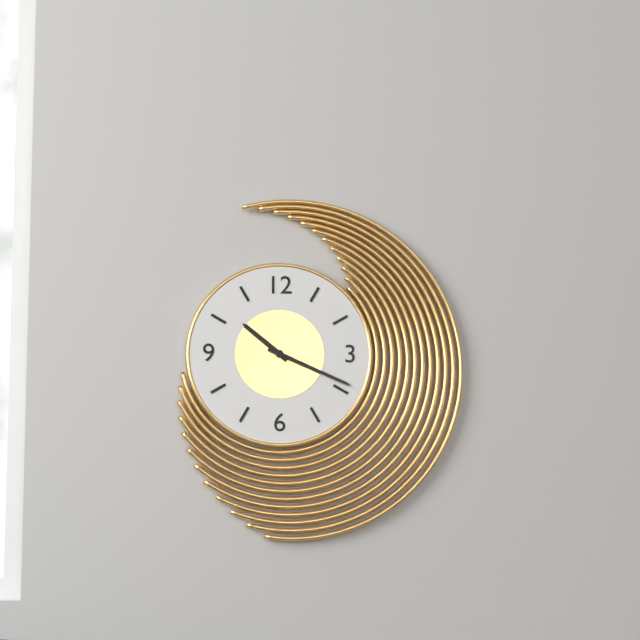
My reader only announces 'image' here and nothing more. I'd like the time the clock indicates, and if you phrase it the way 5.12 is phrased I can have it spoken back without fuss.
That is 10.19
